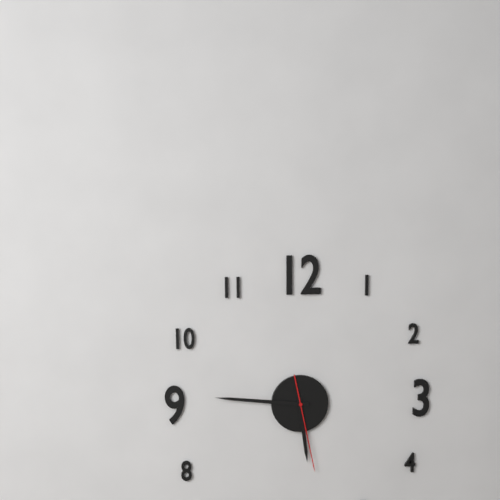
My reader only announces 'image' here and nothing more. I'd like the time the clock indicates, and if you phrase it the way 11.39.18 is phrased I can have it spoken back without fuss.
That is 5.46.28
